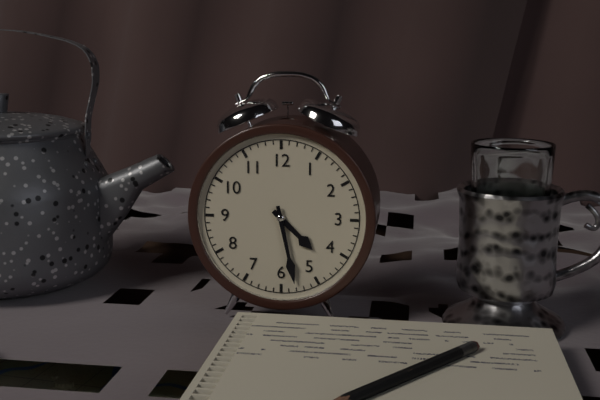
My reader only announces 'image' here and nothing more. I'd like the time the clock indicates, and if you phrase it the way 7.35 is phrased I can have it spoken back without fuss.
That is 4.28
